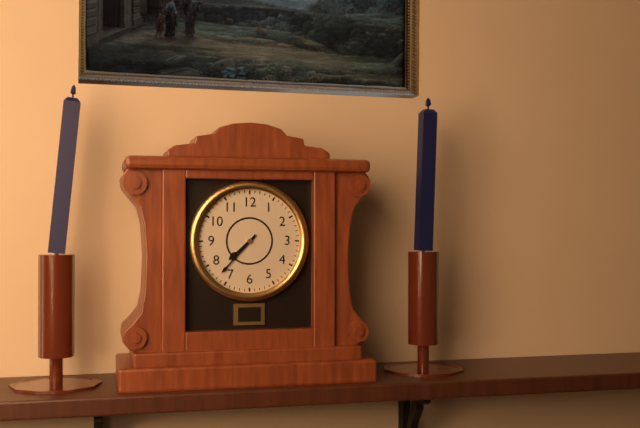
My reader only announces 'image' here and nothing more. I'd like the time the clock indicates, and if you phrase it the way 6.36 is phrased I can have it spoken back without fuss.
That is 7.37
